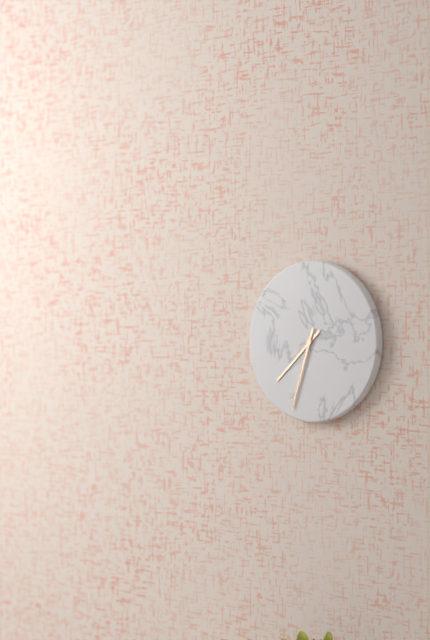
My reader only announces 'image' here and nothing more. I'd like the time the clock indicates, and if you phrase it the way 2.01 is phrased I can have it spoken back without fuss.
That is 7.33
